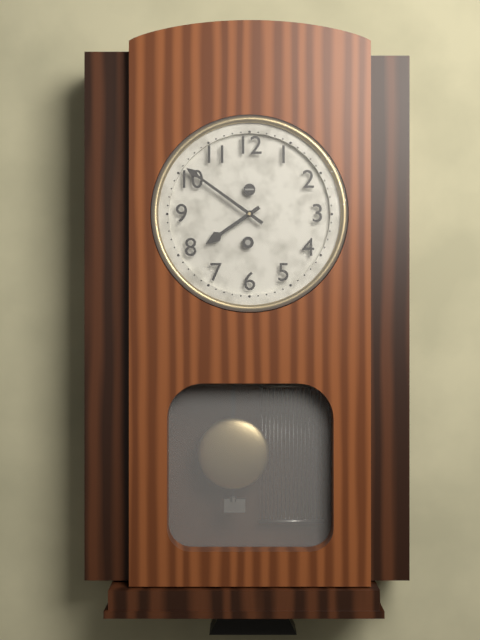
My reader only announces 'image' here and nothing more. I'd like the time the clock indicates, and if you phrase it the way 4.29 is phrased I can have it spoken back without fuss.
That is 7.51
